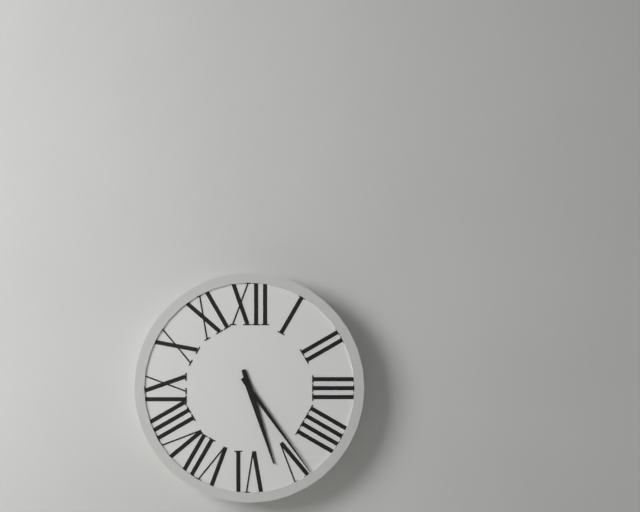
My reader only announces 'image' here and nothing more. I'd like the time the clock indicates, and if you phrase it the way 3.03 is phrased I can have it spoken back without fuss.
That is 5.24
